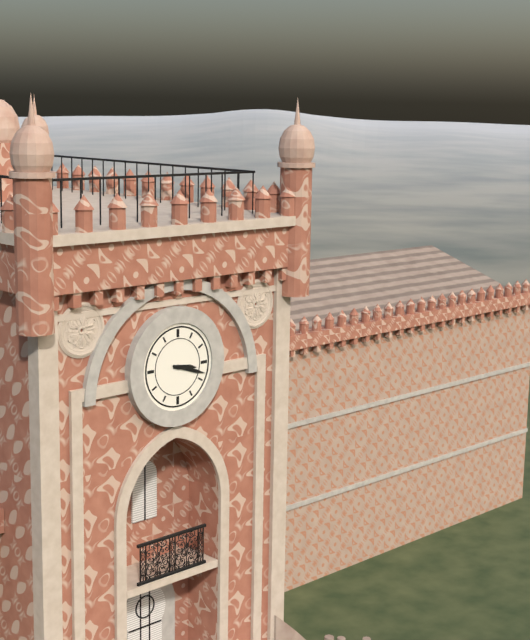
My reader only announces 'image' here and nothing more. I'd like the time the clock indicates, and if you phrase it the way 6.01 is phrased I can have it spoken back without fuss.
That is 3.18
